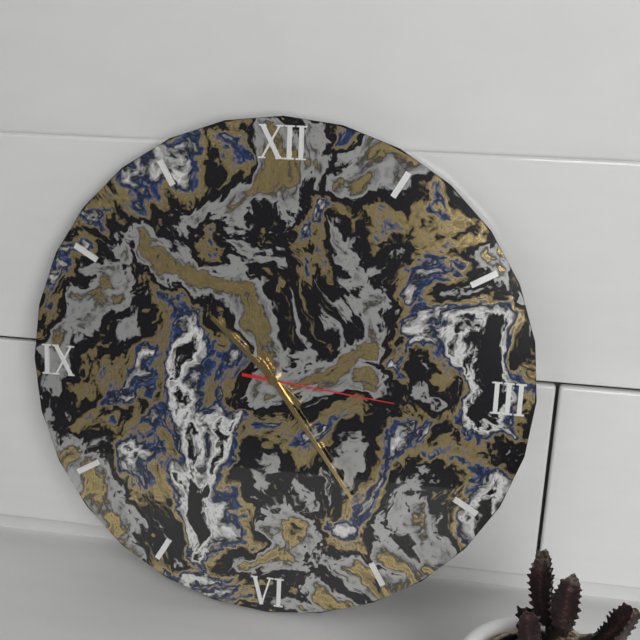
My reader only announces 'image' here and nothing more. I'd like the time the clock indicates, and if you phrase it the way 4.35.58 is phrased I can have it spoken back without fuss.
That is 10.24.16
